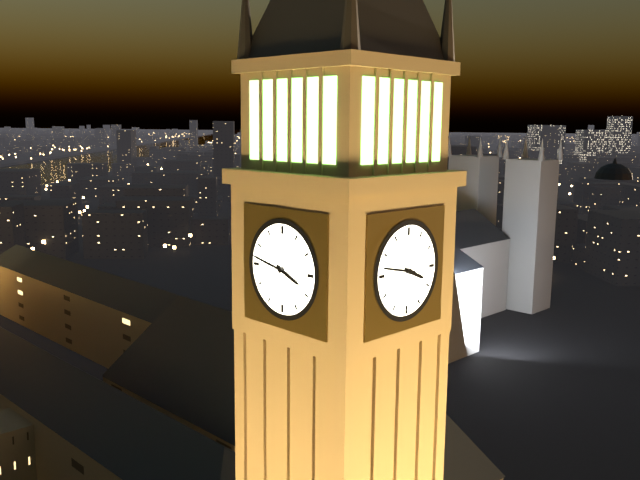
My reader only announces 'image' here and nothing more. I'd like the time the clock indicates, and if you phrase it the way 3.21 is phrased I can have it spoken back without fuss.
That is 3.47
